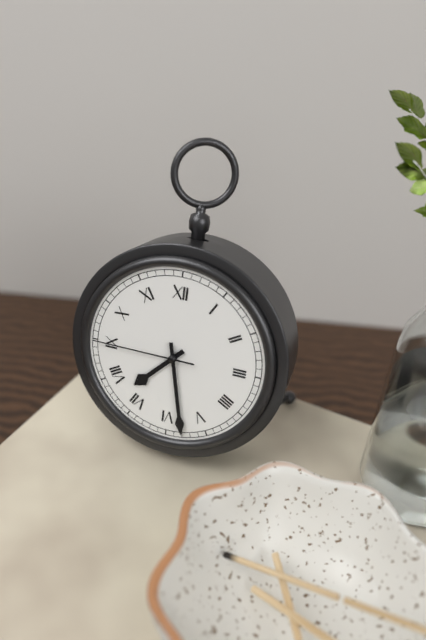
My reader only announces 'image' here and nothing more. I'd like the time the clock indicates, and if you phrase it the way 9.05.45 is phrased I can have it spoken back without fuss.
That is 7.28.45
